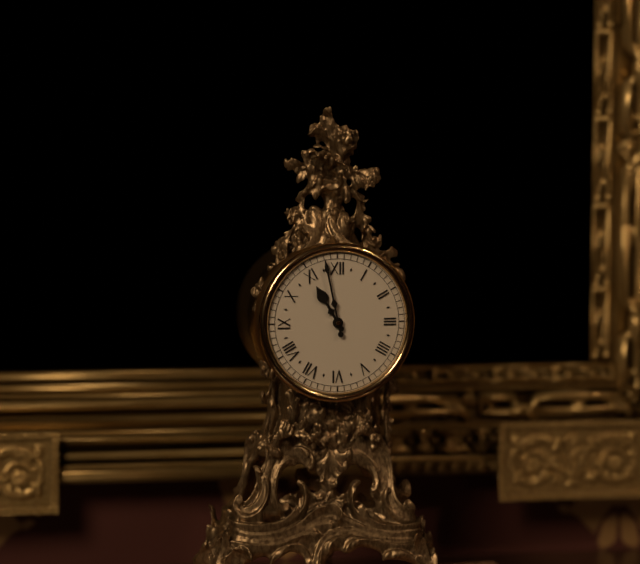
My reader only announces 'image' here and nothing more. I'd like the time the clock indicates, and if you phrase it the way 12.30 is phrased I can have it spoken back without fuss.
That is 10.58
